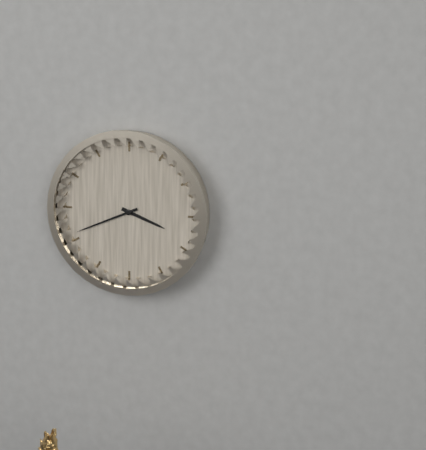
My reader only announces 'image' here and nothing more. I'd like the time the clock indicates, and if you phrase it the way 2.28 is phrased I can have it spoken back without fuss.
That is 3.41
